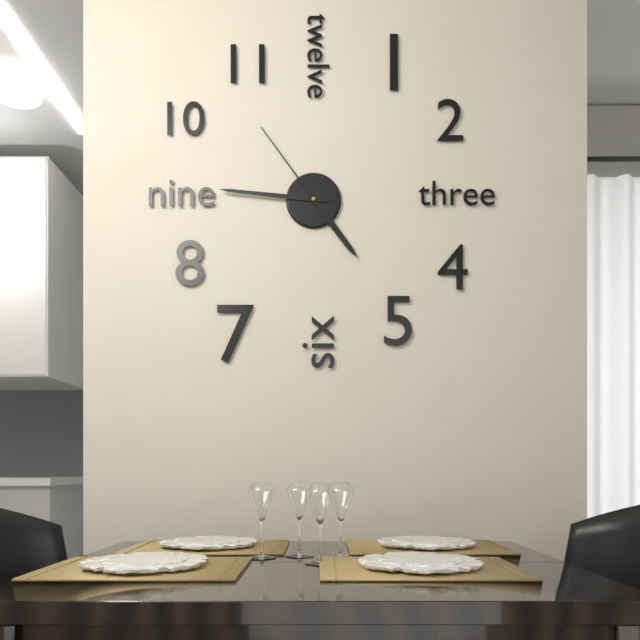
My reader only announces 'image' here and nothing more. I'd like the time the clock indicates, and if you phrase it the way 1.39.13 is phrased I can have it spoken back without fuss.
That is 4.46.54
